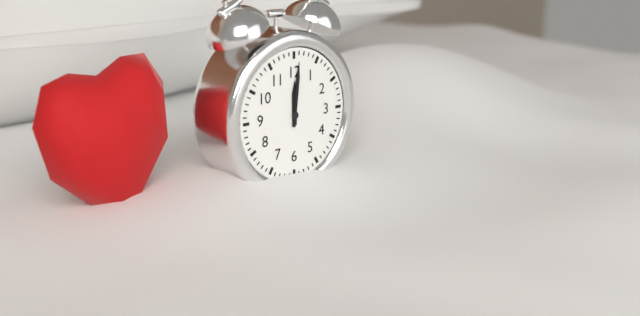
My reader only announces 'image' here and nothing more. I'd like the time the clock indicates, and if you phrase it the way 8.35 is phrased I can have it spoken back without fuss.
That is 12.01
